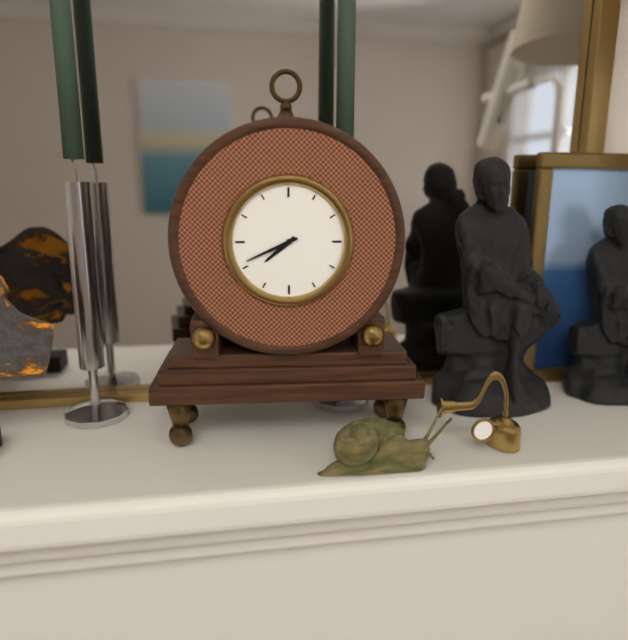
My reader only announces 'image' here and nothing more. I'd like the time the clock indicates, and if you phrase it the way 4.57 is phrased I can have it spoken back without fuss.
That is 7.41
